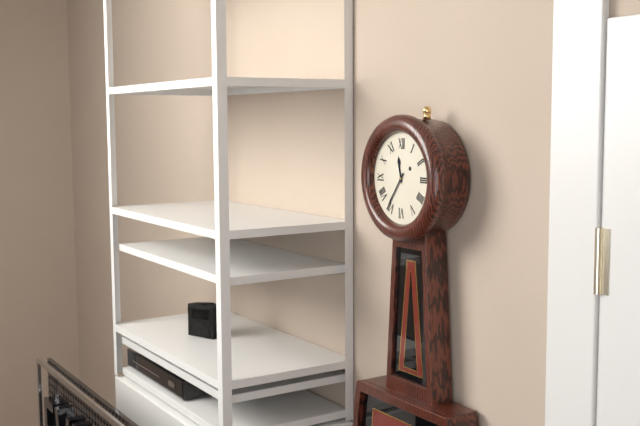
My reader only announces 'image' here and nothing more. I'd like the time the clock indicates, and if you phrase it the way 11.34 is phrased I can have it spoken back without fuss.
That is 11.36
